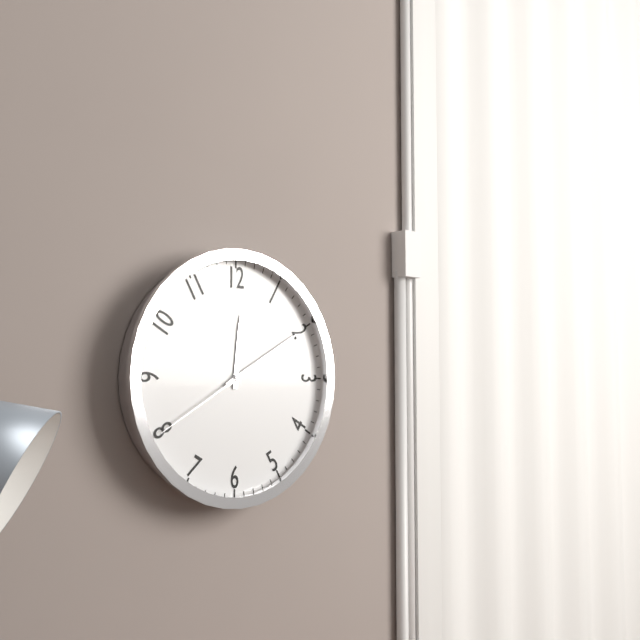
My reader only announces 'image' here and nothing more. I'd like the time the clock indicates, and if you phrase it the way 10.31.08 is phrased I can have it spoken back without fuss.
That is 12.10.40
